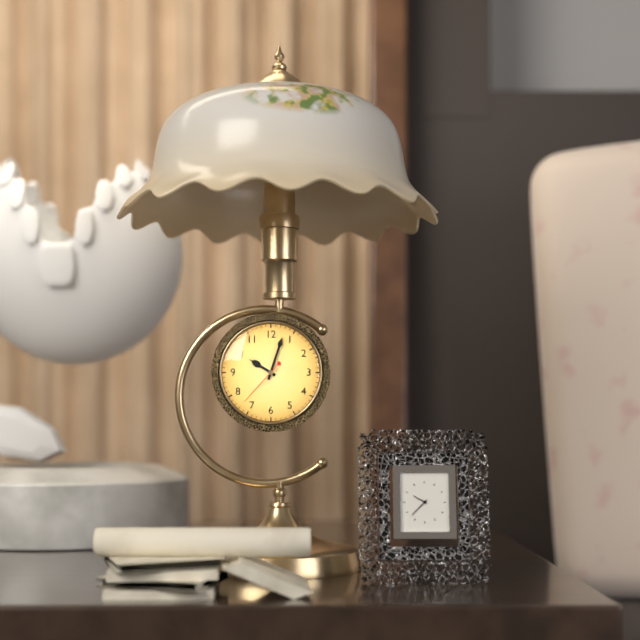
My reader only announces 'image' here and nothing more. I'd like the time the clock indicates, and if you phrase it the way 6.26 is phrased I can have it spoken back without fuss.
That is 10.03
